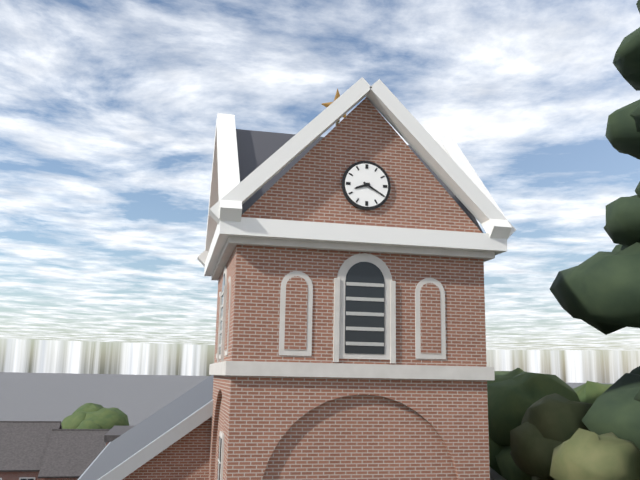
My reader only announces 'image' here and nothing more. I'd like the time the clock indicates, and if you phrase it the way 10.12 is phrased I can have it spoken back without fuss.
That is 8.20
